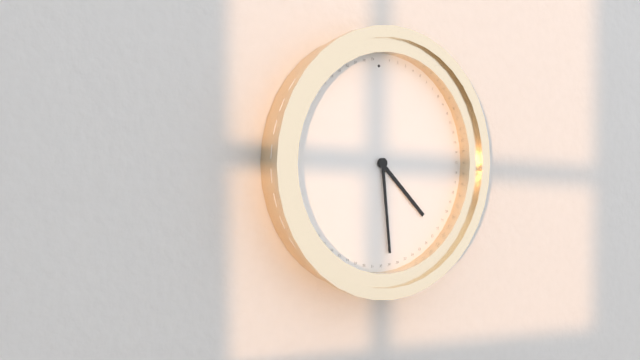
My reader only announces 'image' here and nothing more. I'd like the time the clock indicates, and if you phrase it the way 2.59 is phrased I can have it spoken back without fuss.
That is 4.29
